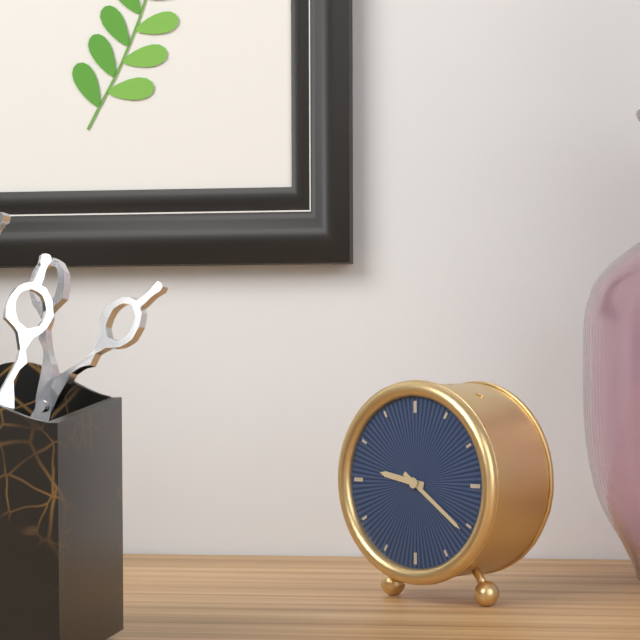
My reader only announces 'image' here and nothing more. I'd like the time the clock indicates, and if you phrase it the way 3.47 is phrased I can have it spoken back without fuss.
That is 9.21
